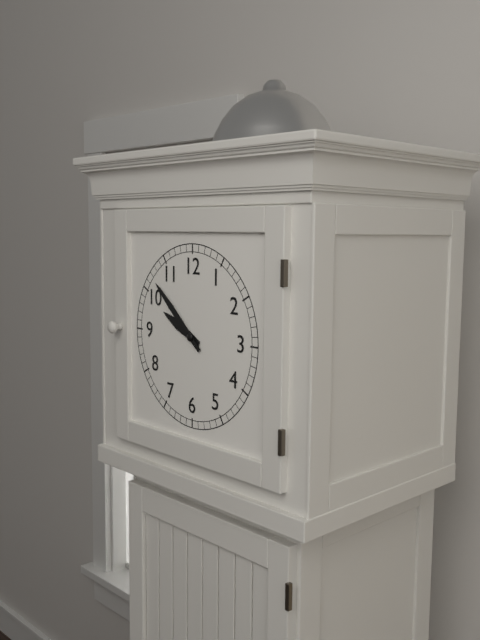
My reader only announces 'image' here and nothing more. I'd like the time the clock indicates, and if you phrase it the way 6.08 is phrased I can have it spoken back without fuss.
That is 9.52
